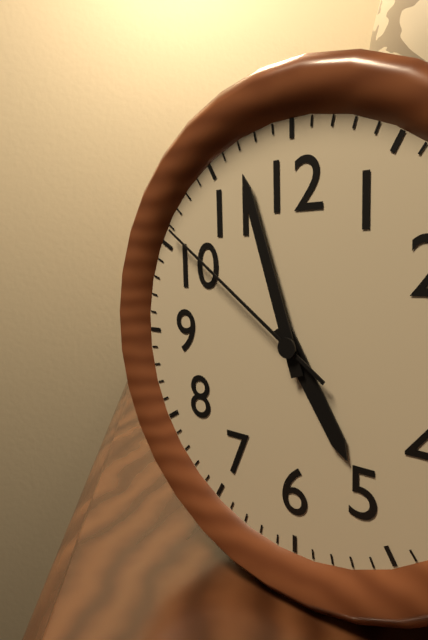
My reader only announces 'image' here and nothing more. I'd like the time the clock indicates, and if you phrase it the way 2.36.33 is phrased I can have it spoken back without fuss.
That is 4.57.51
